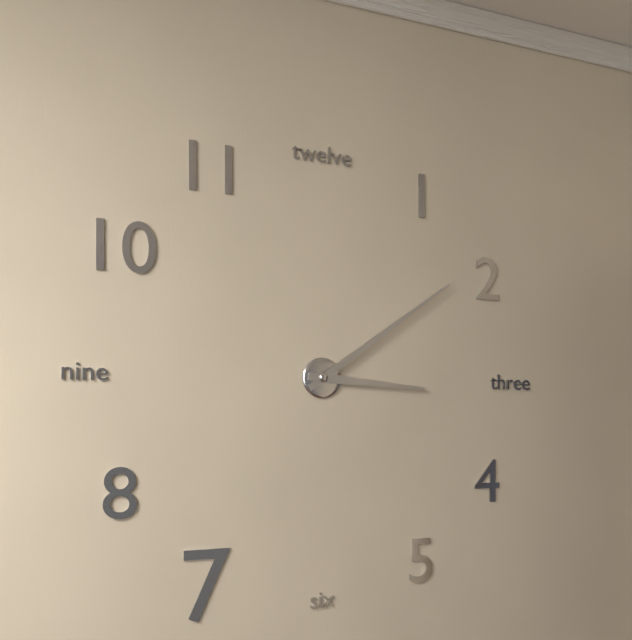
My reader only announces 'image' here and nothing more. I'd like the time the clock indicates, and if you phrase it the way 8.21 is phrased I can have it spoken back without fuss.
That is 3.09
